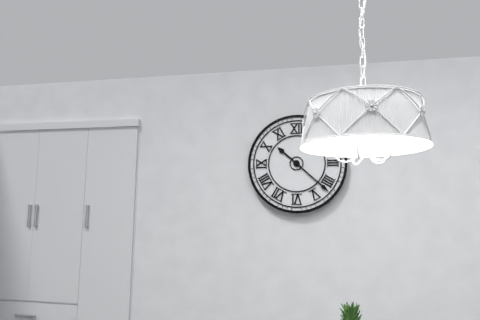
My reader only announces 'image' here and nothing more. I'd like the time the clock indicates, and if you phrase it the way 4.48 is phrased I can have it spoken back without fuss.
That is 10.22
